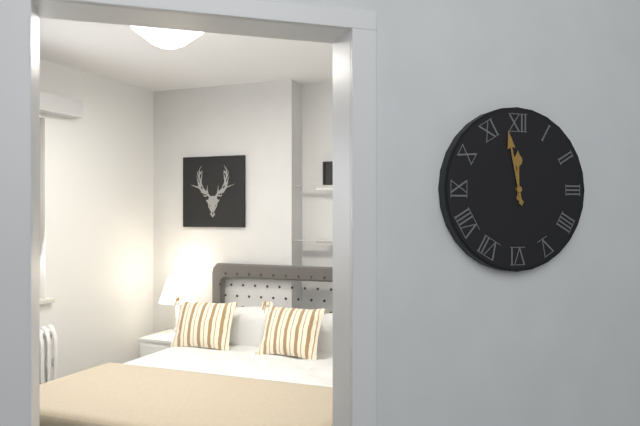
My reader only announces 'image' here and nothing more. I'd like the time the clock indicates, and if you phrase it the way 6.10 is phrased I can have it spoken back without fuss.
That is 11.58
